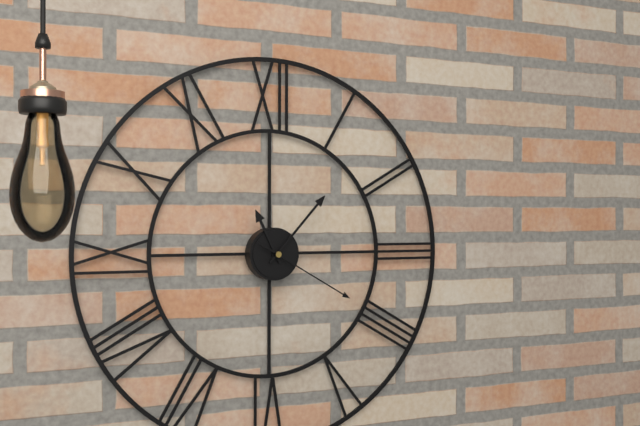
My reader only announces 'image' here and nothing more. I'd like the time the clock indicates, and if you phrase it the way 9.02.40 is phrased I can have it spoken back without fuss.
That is 11.07.20
